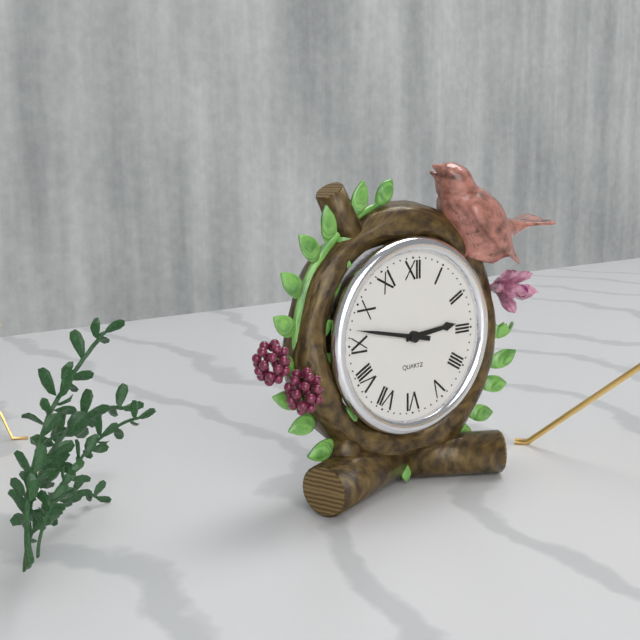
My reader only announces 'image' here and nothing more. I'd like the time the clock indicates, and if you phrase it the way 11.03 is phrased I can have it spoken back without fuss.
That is 2.47
